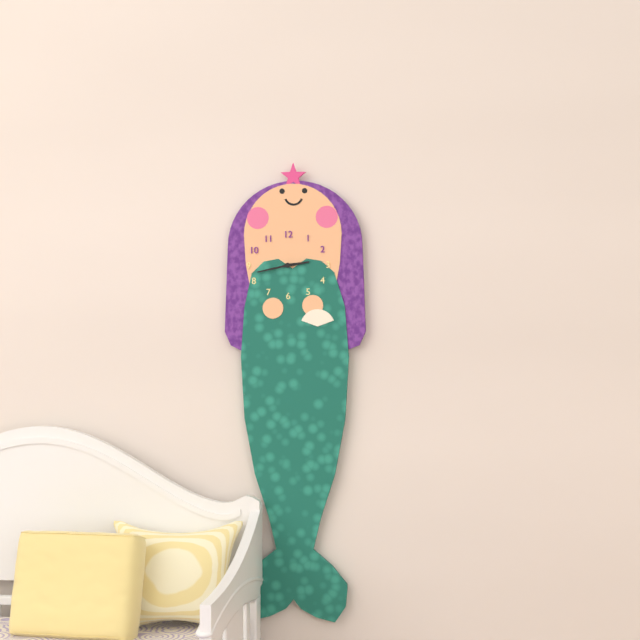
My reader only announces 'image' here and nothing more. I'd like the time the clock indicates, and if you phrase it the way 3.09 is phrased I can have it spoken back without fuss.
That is 2.43
